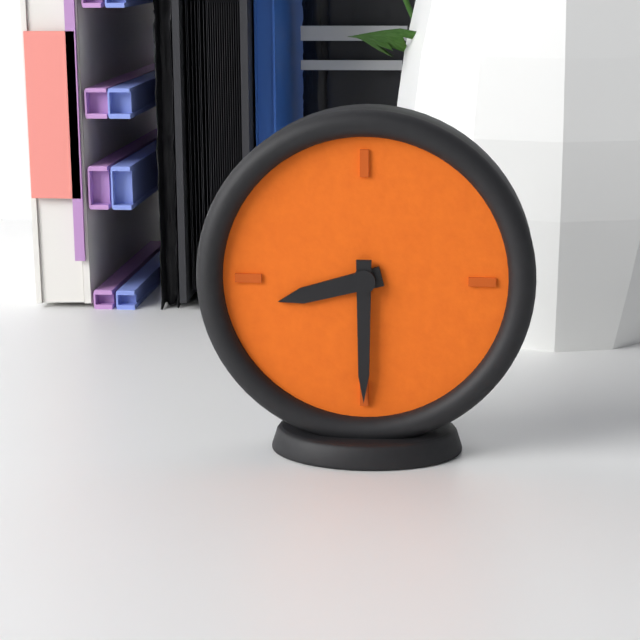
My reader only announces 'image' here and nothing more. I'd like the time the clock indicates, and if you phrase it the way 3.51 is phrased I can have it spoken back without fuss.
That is 8.30
